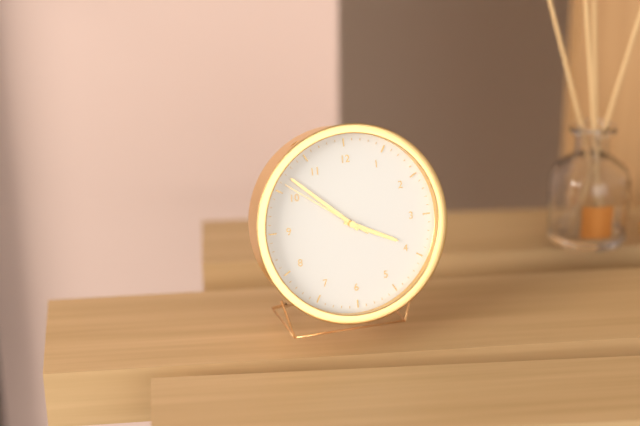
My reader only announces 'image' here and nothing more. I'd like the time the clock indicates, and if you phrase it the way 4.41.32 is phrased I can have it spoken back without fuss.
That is 3.52.51
